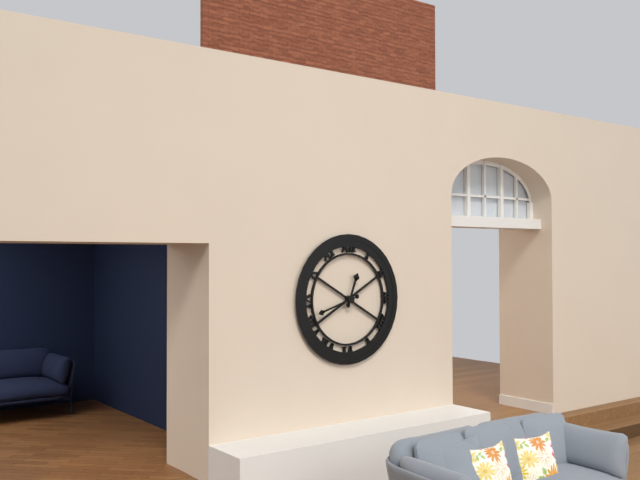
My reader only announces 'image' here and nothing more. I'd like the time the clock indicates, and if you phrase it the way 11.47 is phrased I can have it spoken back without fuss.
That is 12.42
